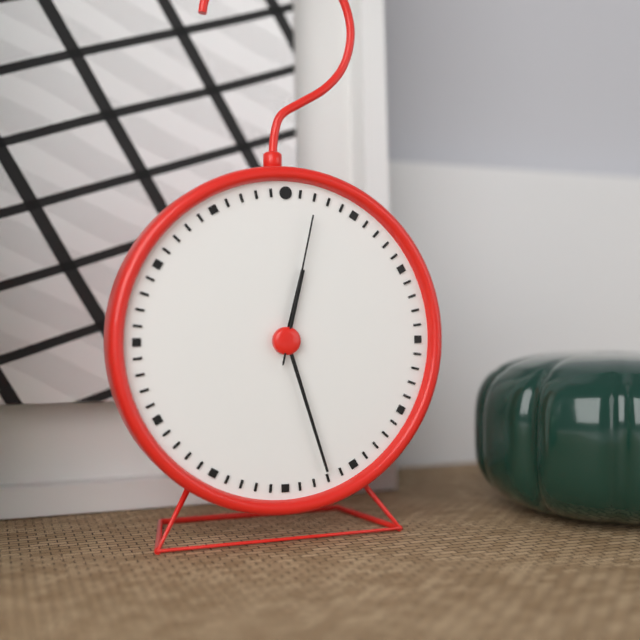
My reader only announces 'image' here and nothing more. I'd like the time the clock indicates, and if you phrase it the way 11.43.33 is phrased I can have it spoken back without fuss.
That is 12.27.02
